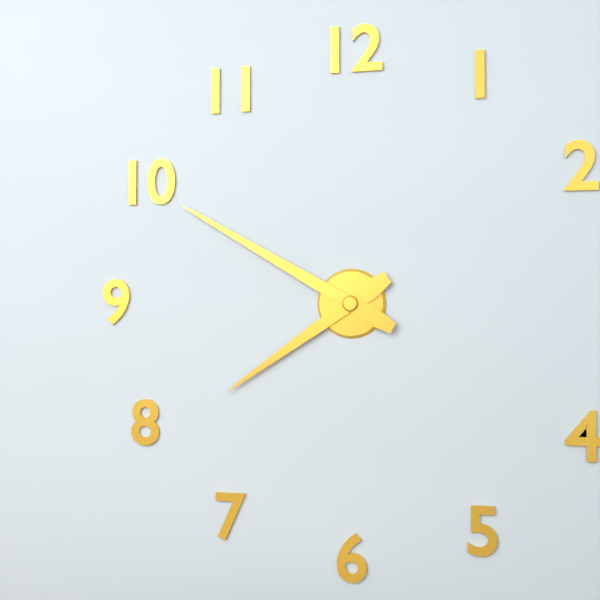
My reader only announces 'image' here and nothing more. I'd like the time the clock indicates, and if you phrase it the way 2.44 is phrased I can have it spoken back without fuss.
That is 7.50
